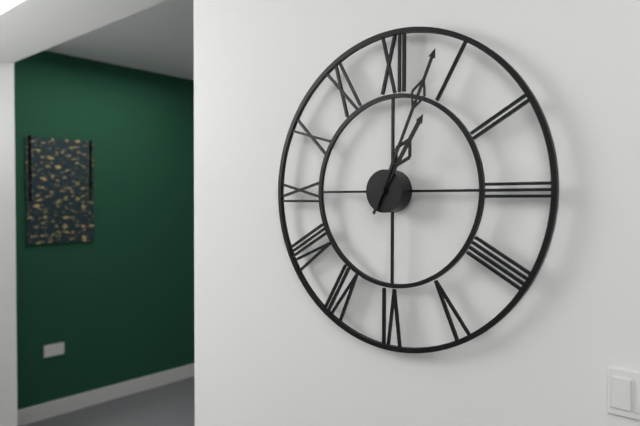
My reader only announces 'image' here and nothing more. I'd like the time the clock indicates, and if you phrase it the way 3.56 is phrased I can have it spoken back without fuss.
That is 1.04
